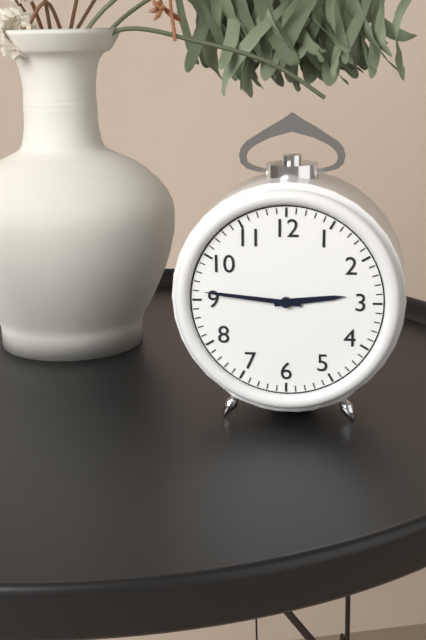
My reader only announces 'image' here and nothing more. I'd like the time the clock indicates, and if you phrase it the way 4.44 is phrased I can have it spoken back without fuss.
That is 2.46
